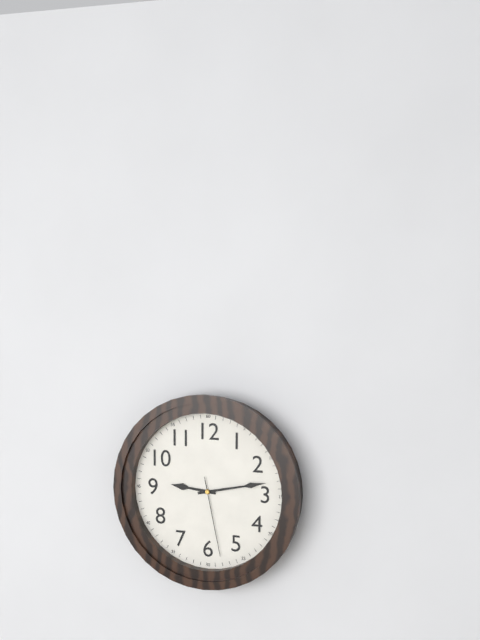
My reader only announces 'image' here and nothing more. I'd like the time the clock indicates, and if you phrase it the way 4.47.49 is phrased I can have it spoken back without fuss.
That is 9.13.28
